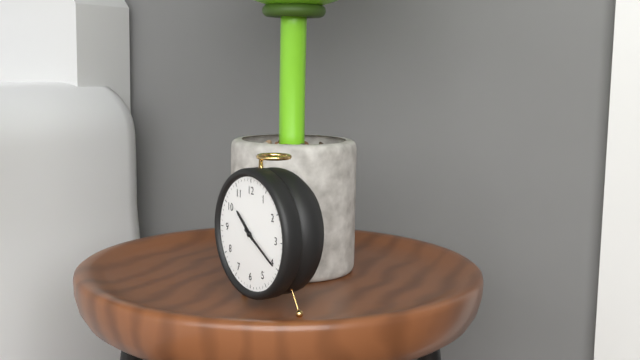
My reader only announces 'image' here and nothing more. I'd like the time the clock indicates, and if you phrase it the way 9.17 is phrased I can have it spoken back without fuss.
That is 10.20
